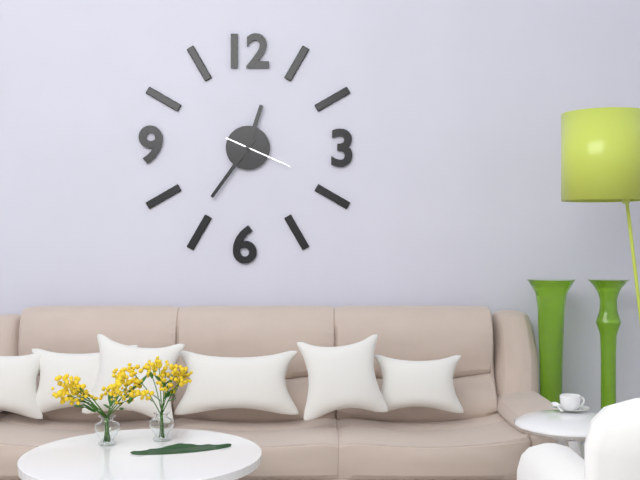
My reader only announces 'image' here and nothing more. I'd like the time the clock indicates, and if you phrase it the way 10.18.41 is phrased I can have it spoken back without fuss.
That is 12.36.19
